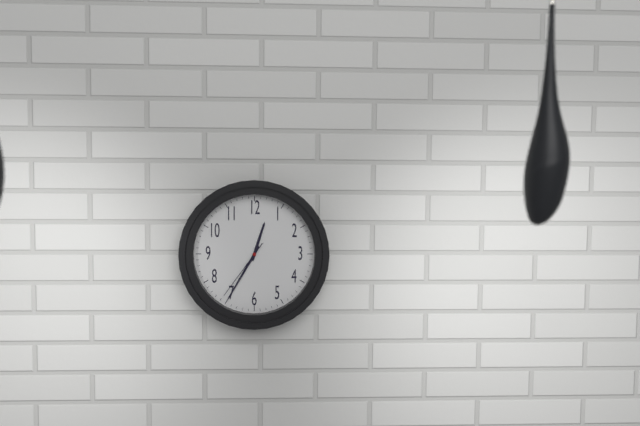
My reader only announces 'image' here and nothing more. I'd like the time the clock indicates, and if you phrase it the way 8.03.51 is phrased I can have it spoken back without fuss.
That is 12.35.36
